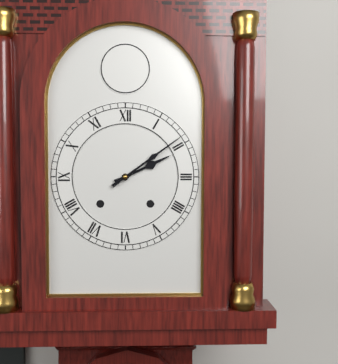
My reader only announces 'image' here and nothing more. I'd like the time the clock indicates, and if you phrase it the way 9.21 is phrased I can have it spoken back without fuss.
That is 2.09
